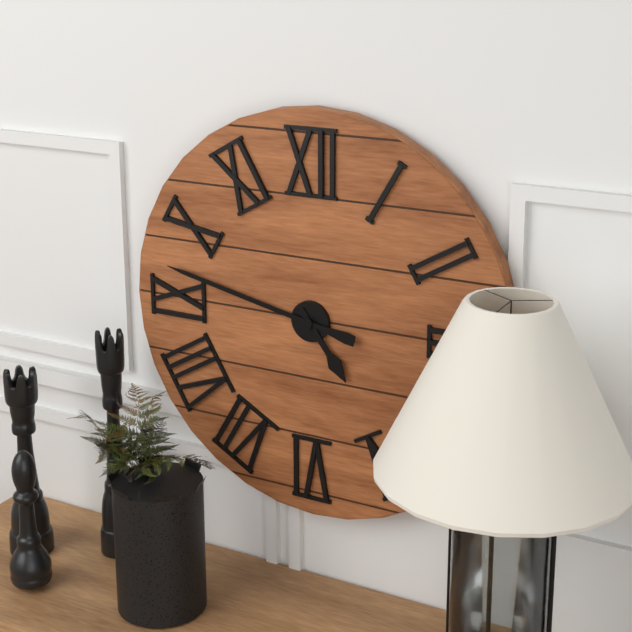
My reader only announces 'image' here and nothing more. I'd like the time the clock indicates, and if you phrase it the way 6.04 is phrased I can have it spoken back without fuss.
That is 4.47
